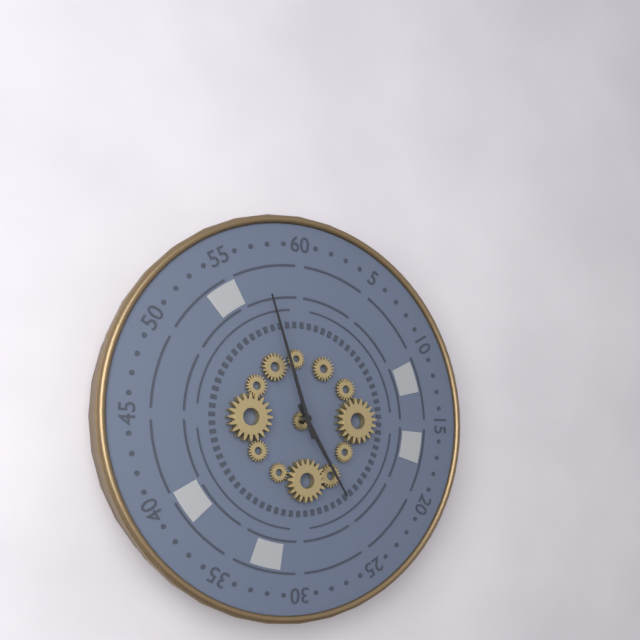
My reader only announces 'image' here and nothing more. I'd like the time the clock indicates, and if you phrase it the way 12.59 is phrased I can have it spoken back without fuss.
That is 4.57
